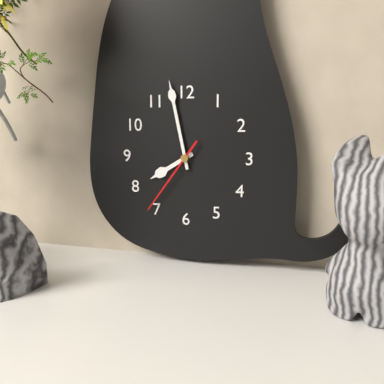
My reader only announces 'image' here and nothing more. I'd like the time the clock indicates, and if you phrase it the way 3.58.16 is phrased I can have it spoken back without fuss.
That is 7.58.36
